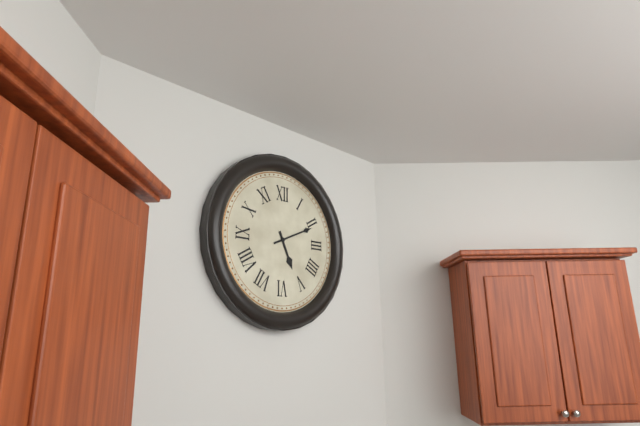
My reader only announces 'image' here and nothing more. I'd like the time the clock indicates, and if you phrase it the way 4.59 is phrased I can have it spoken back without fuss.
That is 5.11
